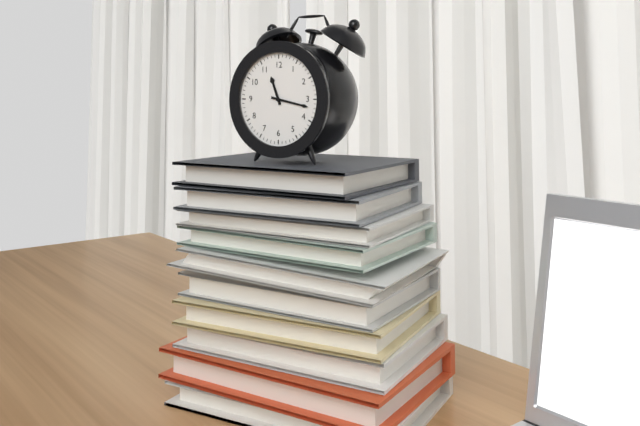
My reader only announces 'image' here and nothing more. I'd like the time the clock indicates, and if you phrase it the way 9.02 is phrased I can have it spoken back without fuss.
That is 11.17
